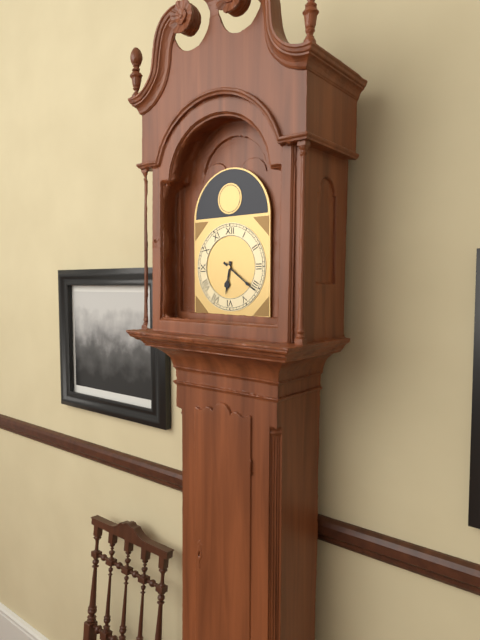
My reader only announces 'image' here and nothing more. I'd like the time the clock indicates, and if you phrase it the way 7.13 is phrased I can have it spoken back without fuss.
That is 6.21
